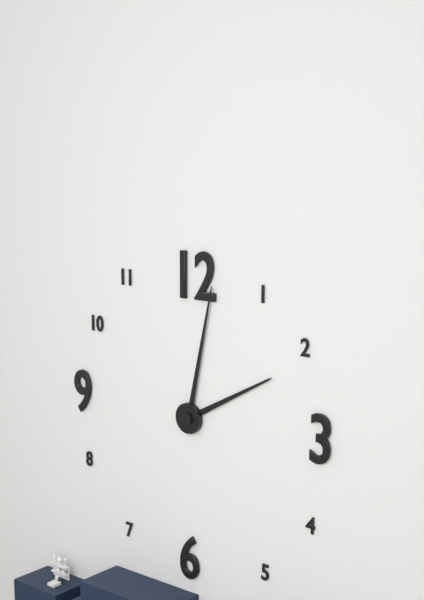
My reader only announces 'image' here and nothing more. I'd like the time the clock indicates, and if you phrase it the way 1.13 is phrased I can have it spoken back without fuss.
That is 2.02
